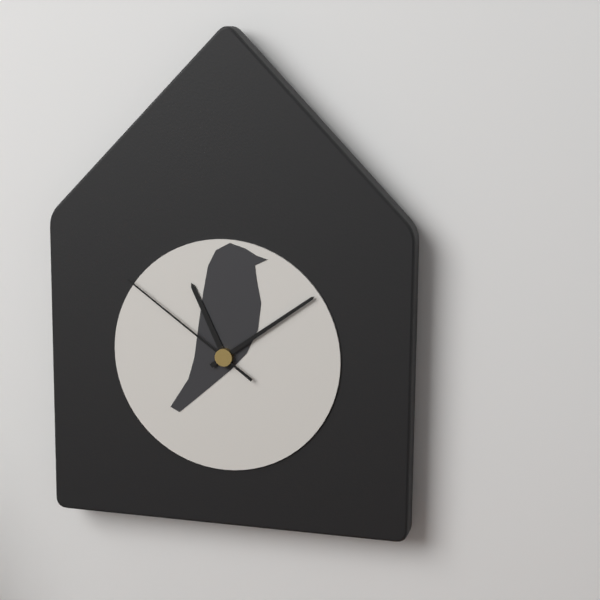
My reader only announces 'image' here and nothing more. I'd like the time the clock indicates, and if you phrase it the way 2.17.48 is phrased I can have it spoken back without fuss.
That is 11.09.51
